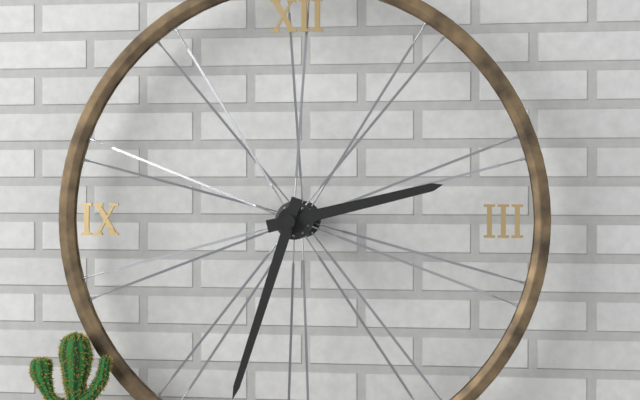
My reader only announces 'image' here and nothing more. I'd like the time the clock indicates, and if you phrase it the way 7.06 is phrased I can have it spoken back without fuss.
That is 2.33
